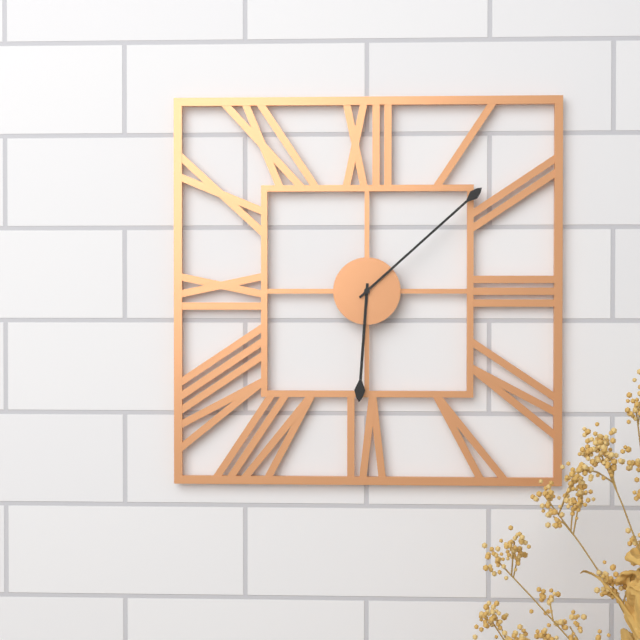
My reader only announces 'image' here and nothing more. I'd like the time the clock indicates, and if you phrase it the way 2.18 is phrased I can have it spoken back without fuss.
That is 6.08
